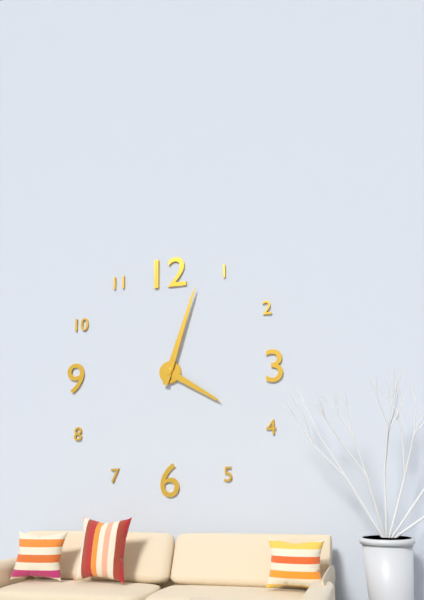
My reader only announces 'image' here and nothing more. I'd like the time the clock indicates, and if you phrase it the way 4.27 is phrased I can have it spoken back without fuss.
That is 4.03
